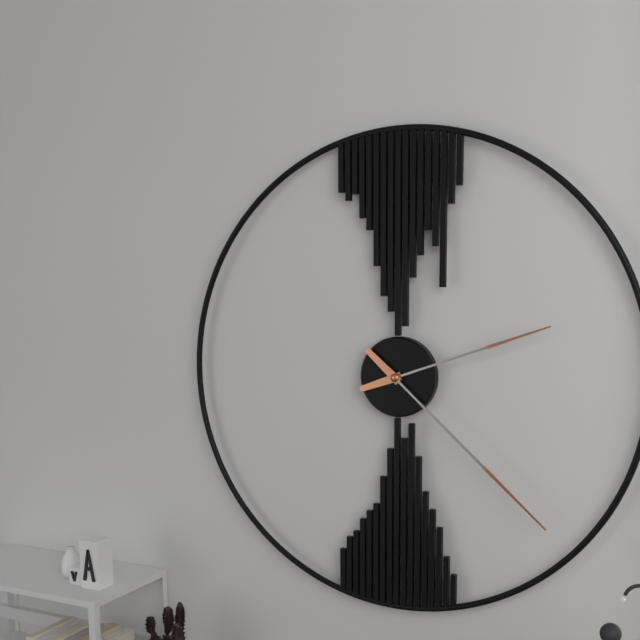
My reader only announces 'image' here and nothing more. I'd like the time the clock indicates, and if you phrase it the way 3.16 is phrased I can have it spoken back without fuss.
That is 2.22
